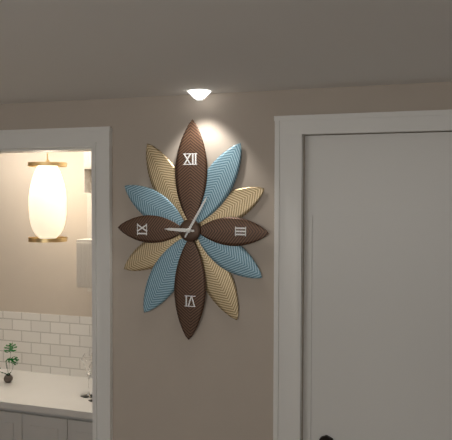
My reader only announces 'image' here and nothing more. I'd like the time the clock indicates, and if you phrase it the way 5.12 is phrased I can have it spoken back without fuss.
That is 9.05
